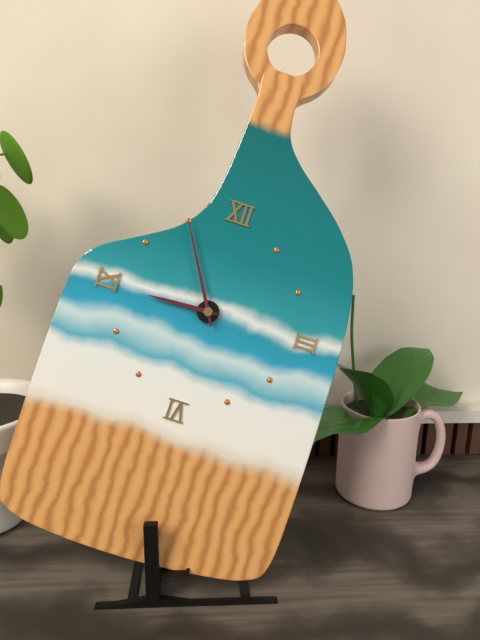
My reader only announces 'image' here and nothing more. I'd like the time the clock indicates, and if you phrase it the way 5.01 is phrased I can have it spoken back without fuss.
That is 8.55
